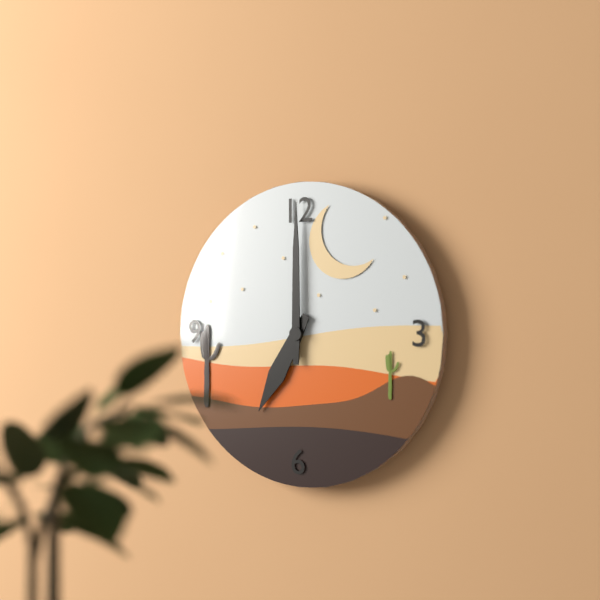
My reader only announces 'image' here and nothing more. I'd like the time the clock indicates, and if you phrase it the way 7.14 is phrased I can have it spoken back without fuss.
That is 7.00
